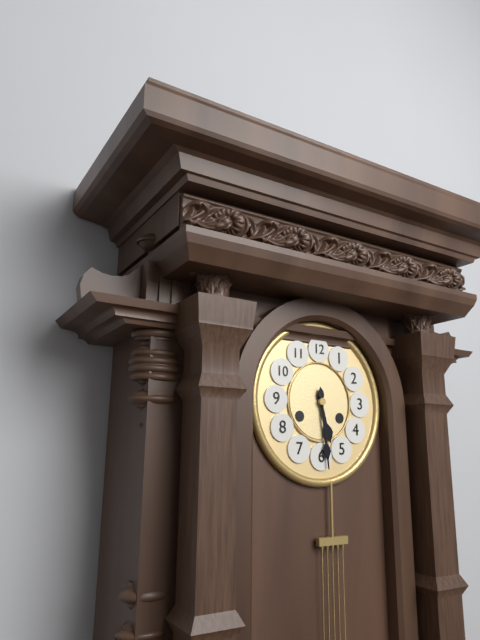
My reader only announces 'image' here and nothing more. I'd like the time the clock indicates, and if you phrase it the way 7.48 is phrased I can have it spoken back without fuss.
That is 5.29
